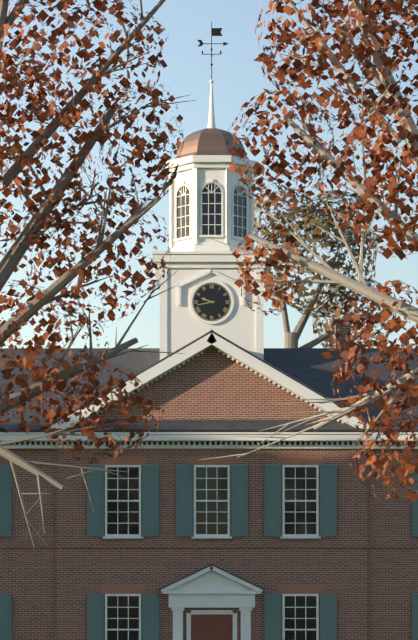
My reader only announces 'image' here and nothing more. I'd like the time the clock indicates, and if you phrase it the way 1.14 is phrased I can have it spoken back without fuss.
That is 9.43
